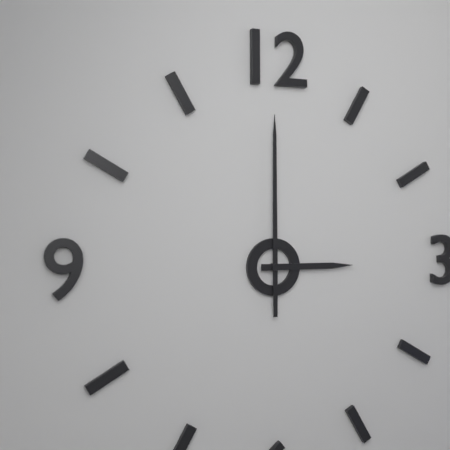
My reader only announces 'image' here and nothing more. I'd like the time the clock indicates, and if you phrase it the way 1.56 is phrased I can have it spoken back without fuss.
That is 3.00
